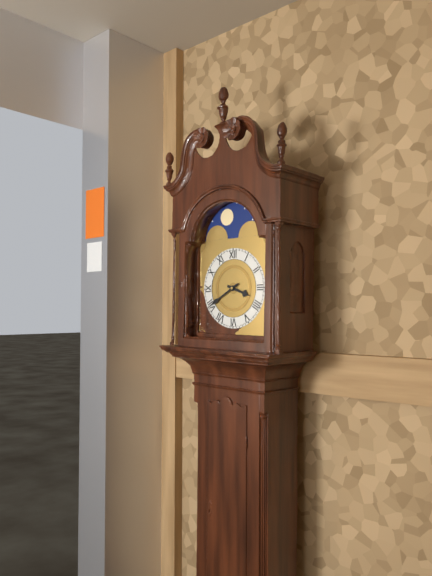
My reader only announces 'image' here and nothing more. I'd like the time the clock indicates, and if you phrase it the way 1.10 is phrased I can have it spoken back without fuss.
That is 3.40
